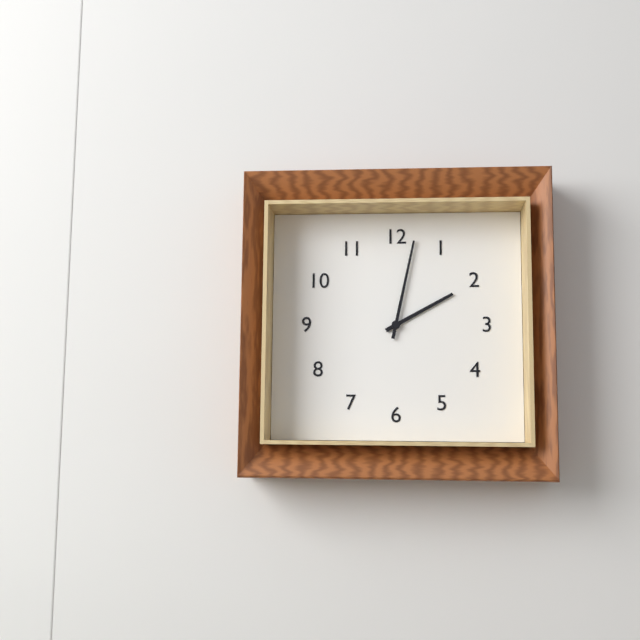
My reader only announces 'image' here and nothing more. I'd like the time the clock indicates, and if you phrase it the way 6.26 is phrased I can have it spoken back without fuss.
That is 2.02
